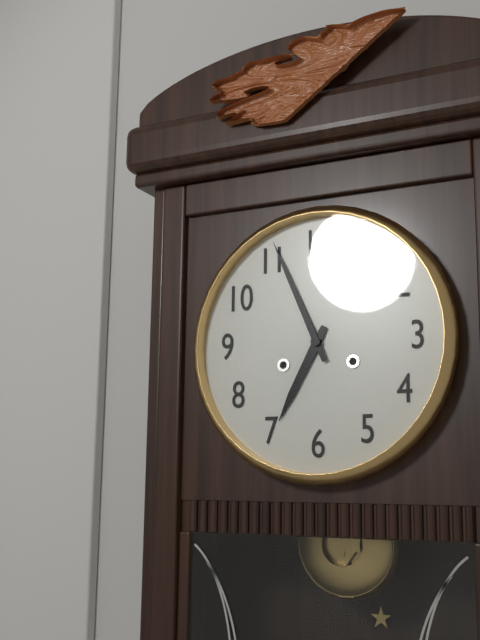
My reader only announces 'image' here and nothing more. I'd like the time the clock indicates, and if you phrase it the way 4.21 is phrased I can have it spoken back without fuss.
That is 6.56
